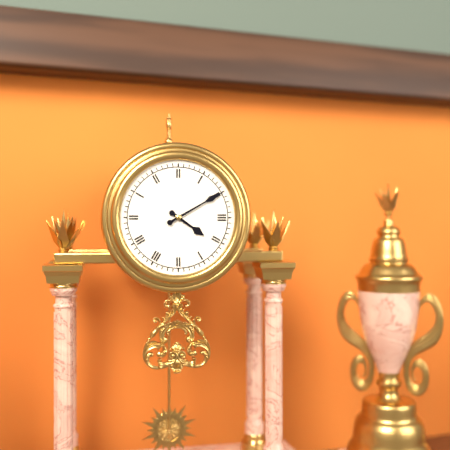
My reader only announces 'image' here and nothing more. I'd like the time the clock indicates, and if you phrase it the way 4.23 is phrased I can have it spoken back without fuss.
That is 4.10
